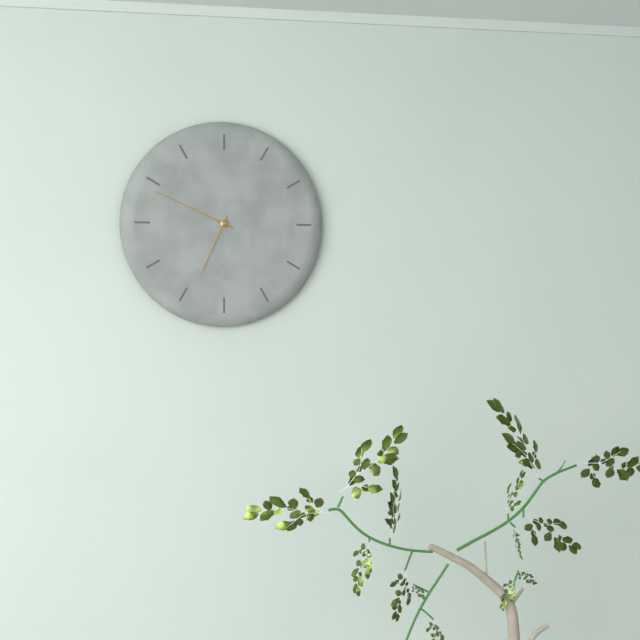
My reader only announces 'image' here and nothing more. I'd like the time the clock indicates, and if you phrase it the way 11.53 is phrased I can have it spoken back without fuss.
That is 6.49
